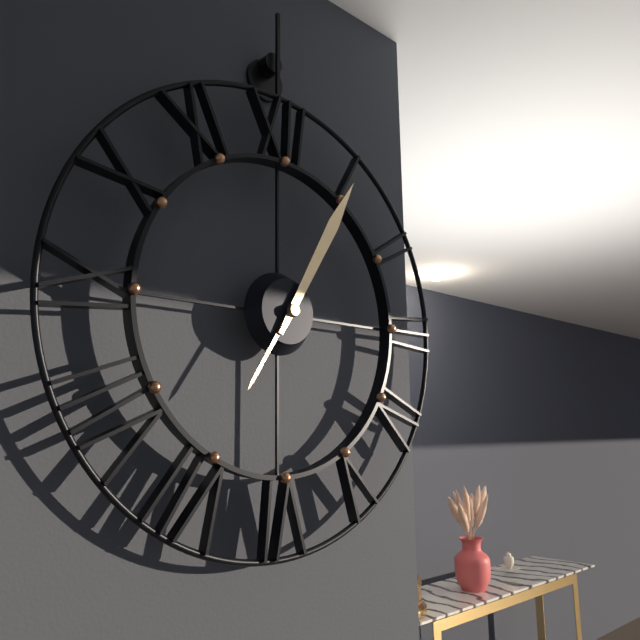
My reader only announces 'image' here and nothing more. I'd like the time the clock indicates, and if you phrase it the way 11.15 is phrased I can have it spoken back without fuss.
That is 7.05
